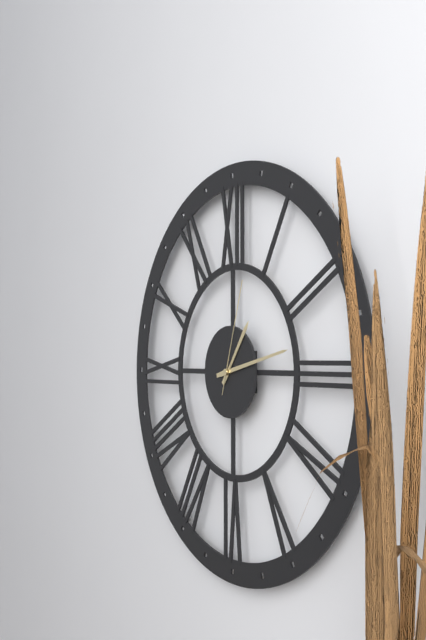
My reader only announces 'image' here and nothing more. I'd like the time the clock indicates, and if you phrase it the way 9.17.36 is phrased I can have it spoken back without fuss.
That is 1.13.03
